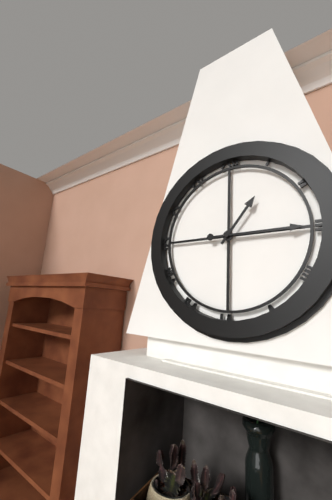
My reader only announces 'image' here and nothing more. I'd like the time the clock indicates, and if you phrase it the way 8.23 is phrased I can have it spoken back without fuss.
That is 1.15
